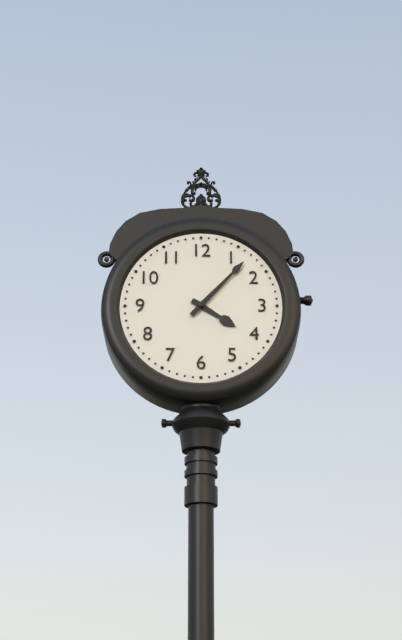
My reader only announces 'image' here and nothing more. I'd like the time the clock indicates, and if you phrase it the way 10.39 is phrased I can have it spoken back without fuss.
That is 4.07
